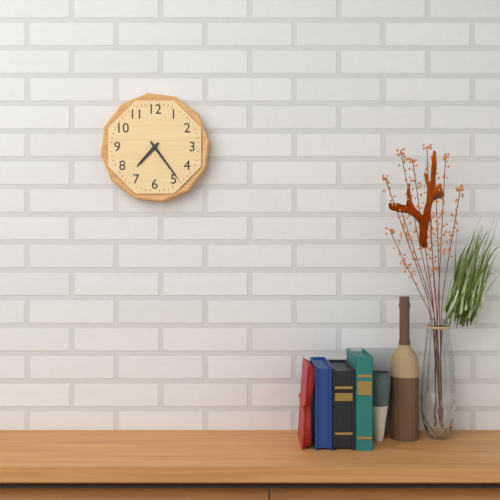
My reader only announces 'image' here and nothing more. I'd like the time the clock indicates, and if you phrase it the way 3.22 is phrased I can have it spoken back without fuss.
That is 7.24
